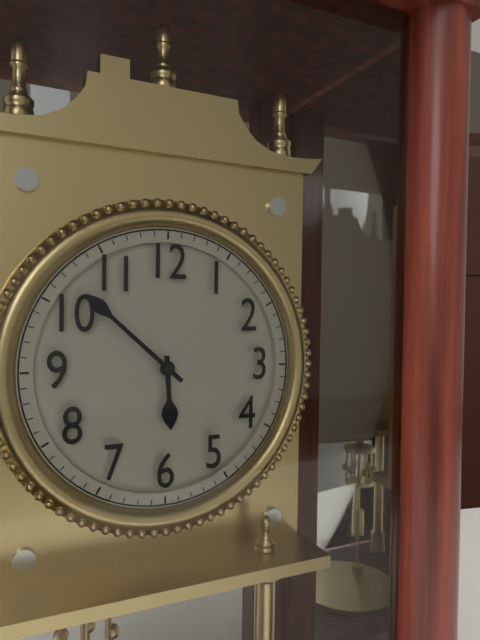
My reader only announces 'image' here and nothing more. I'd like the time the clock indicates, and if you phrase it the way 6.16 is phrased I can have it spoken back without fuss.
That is 5.52
